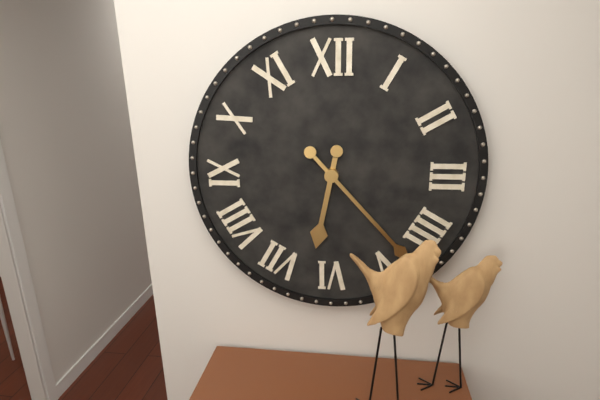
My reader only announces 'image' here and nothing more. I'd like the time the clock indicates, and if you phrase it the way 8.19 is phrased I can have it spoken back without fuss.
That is 6.23
